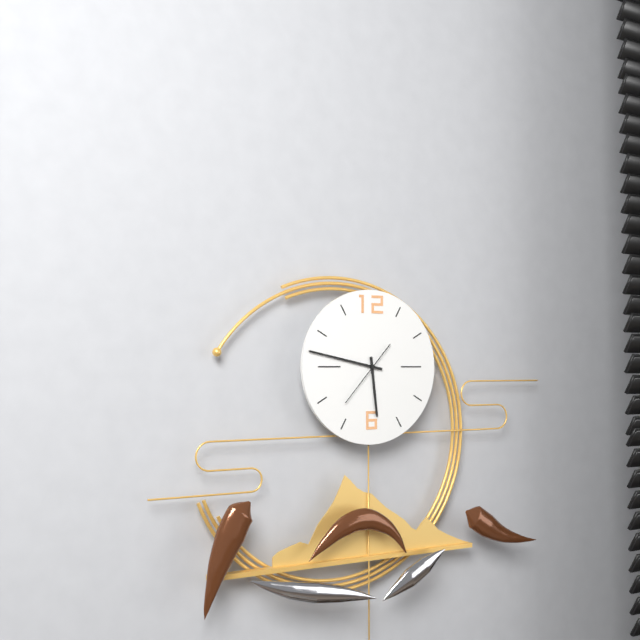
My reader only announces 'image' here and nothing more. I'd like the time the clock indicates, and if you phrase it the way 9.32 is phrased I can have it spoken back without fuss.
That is 5.47
